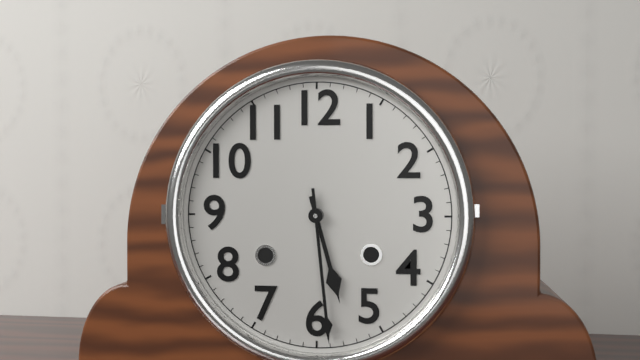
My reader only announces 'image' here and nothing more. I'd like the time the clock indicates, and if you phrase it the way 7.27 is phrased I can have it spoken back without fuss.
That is 5.29
